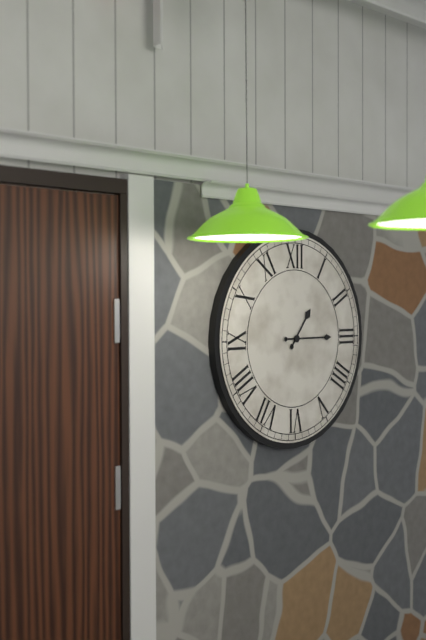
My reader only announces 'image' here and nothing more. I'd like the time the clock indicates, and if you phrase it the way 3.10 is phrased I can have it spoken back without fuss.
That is 1.15
